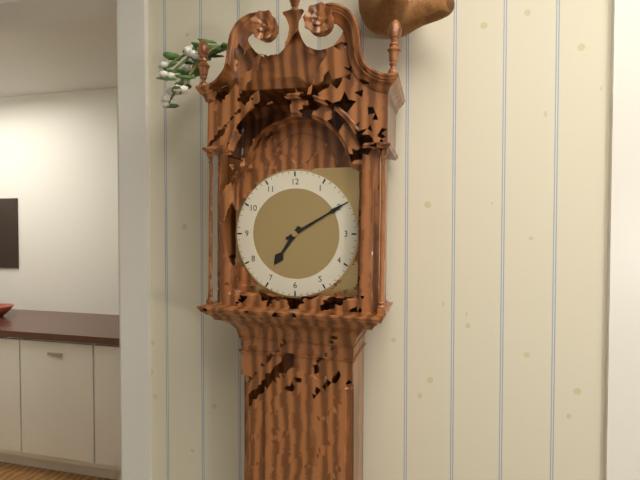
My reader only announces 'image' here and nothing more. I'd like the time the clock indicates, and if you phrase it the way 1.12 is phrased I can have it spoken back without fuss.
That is 7.10
